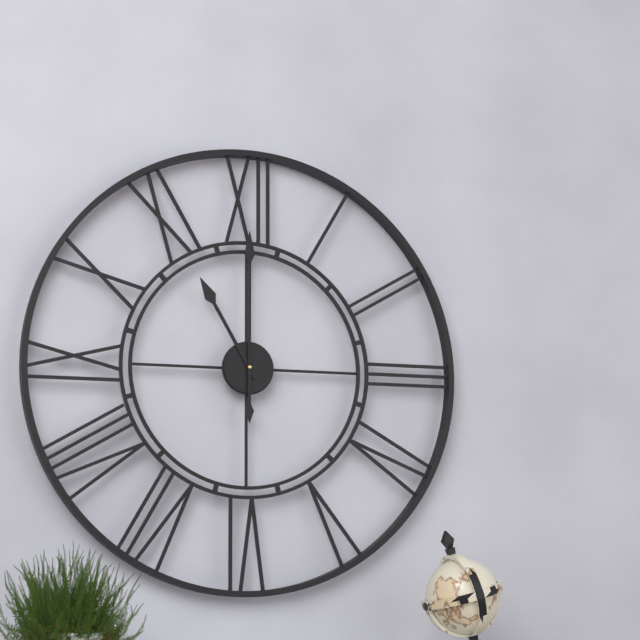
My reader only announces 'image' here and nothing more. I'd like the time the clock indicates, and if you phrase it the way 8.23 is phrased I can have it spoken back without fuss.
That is 11.00
